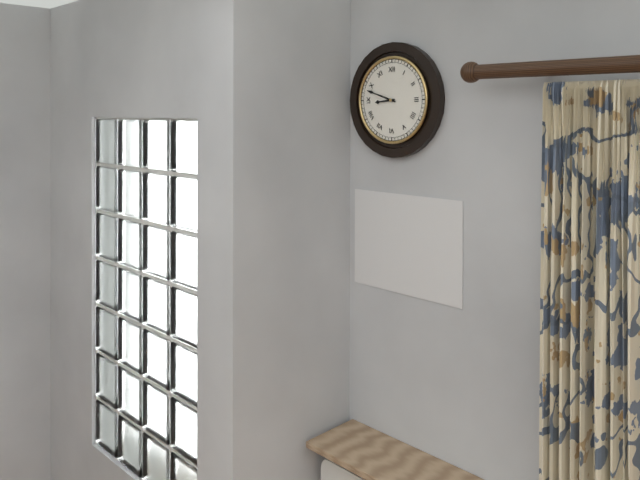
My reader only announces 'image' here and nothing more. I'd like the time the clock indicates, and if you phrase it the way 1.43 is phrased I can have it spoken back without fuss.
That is 8.48
